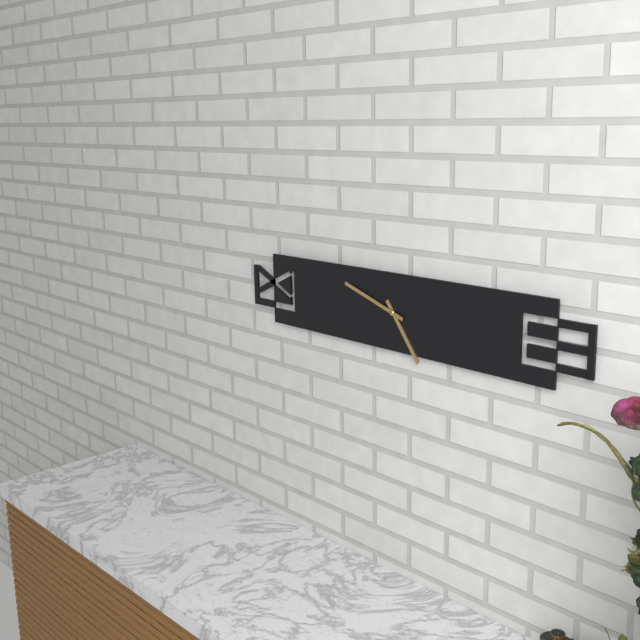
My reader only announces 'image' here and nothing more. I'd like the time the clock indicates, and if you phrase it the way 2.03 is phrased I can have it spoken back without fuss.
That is 4.48
